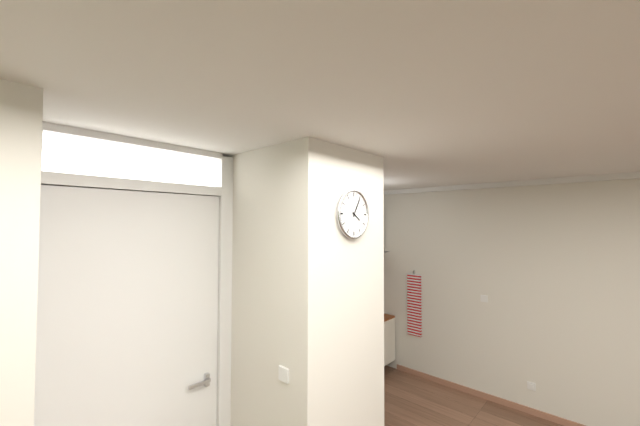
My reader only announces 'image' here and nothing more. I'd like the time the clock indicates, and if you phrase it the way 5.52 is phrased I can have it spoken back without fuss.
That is 4.05
